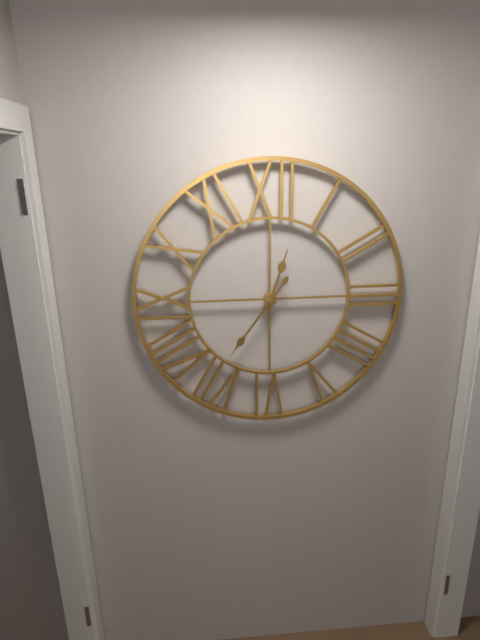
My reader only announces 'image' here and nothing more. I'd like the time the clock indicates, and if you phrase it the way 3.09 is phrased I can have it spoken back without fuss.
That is 12.36
